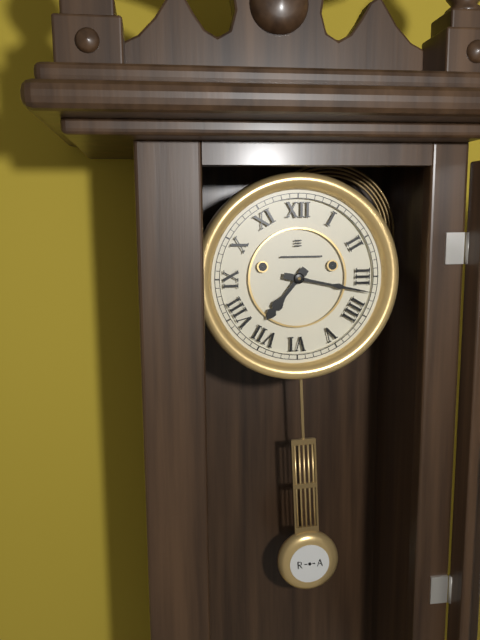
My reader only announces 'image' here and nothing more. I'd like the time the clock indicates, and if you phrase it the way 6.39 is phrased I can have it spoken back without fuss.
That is 7.17
